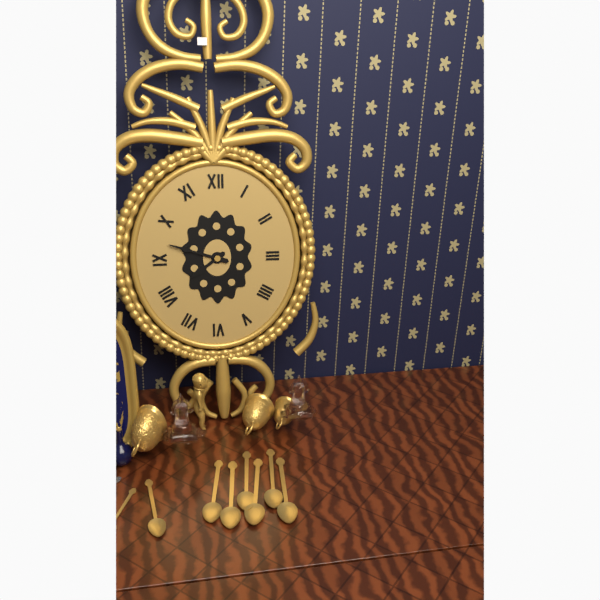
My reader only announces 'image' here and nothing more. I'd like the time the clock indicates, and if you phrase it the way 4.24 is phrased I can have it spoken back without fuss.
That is 7.48
